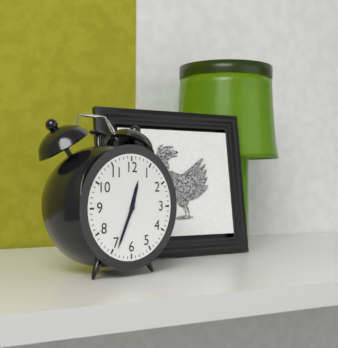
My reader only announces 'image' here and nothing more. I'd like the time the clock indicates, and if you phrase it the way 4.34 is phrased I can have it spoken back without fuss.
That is 12.34
